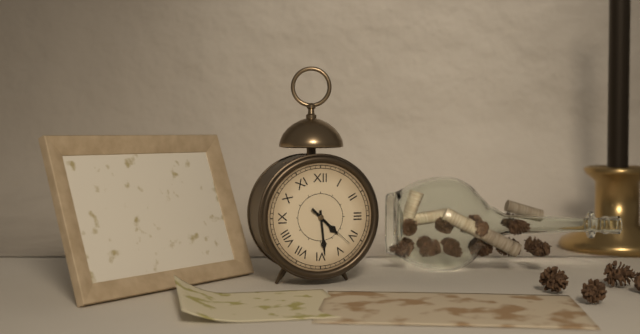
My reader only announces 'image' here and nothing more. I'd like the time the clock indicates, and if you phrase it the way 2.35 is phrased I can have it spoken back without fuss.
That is 4.29
